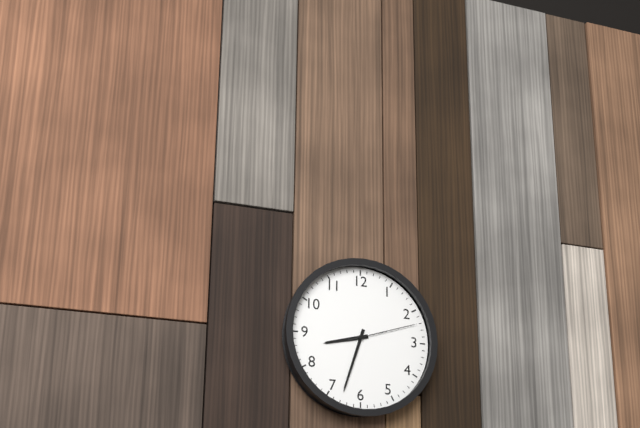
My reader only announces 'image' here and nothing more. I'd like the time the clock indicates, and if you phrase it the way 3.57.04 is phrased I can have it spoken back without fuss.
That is 8.33.12
